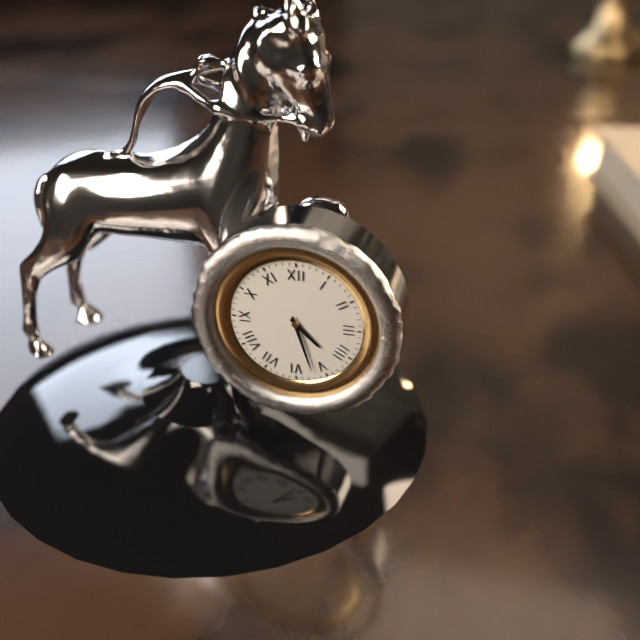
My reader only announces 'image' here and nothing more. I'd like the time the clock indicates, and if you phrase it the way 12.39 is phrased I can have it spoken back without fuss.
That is 4.27
